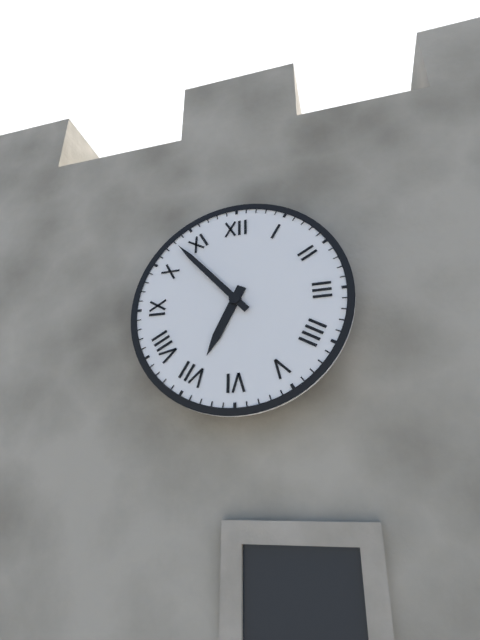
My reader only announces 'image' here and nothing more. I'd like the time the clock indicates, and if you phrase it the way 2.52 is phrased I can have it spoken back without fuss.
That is 6.53
